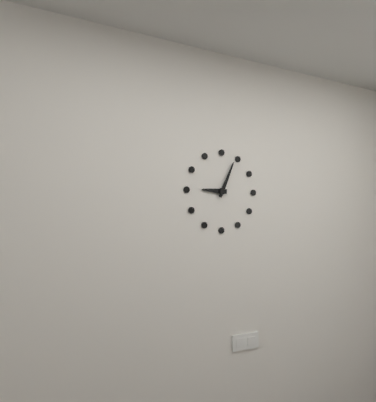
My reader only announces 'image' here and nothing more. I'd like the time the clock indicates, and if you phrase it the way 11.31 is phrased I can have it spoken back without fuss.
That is 9.04
